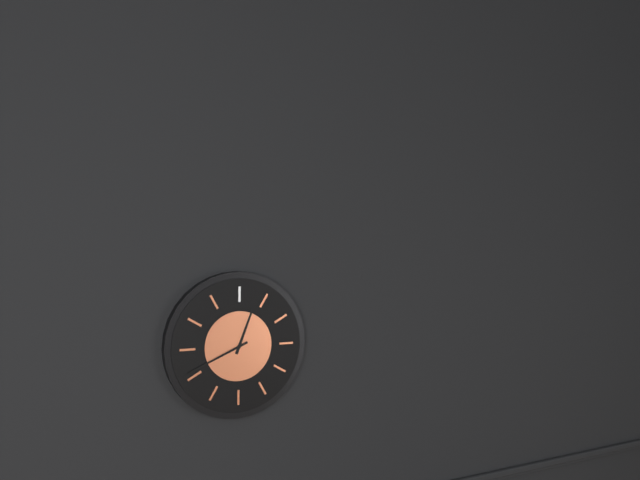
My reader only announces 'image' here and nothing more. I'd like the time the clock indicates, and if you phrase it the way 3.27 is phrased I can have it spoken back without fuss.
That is 12.41
